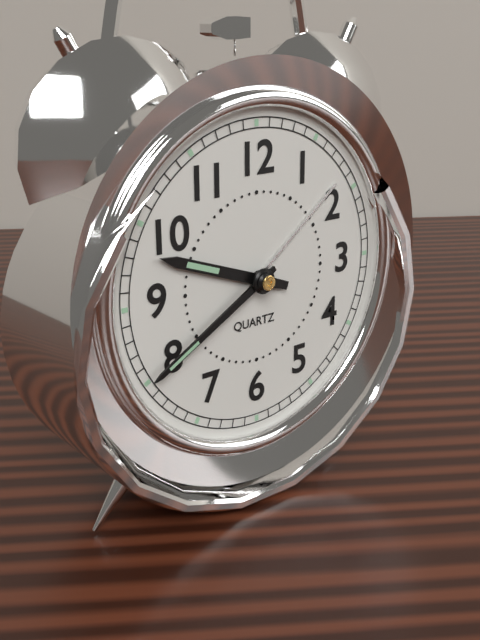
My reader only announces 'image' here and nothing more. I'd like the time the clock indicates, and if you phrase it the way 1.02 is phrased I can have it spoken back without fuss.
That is 9.40
